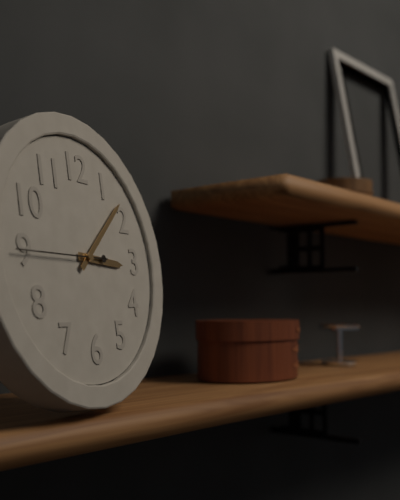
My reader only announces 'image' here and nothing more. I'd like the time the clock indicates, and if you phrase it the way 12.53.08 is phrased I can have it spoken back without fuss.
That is 3.08.45
